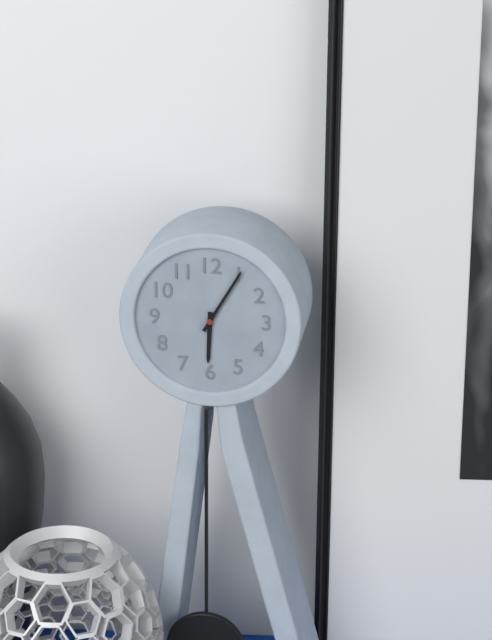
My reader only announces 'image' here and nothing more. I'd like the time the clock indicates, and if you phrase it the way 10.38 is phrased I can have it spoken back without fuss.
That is 6.05
